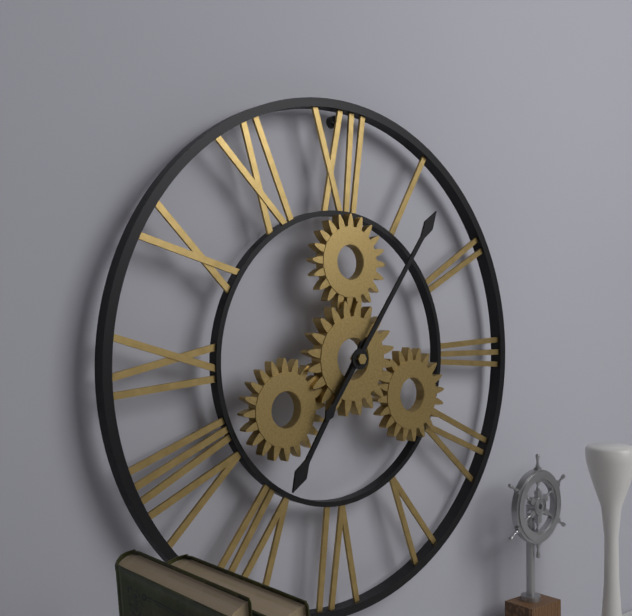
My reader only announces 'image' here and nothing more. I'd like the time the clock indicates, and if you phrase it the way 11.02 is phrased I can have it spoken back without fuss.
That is 7.06
